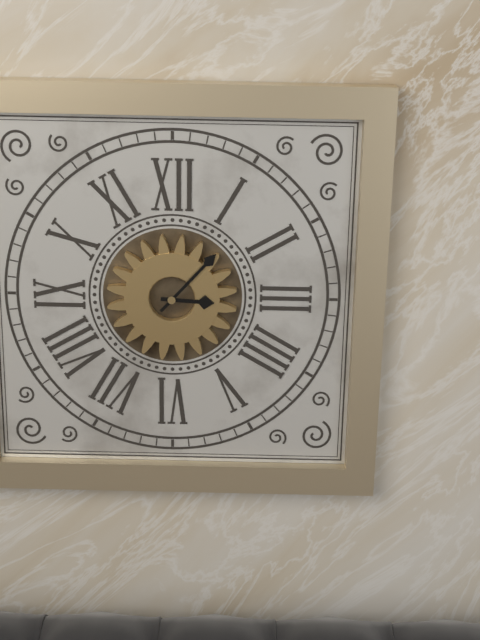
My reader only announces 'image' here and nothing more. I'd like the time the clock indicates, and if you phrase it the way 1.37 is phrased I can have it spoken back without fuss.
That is 3.07
